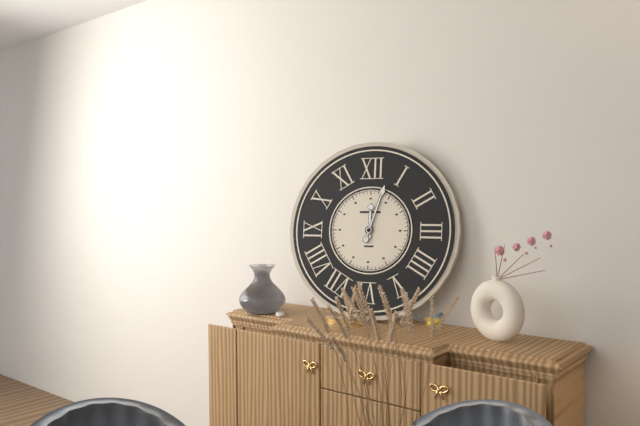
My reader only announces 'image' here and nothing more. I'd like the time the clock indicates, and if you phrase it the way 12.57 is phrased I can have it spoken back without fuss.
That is 12.03
